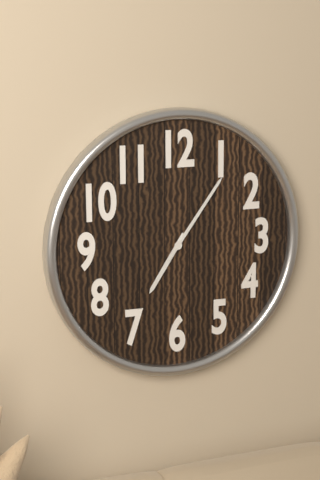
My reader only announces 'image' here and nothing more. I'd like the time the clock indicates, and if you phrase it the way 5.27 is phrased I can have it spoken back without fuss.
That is 7.06
